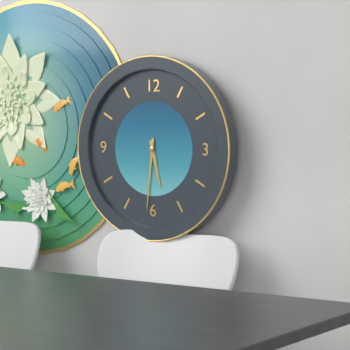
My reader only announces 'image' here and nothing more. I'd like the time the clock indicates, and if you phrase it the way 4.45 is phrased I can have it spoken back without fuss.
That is 5.31
